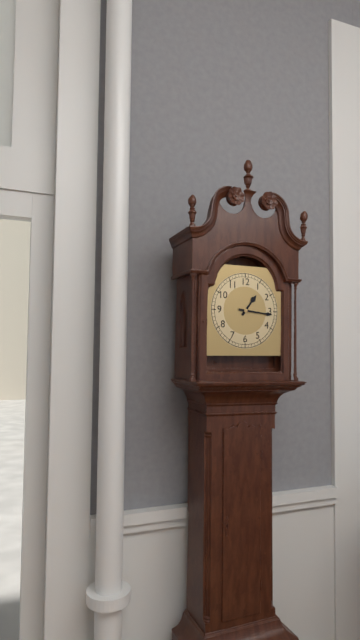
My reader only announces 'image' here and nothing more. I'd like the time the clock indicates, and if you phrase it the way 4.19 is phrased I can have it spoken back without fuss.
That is 1.16
